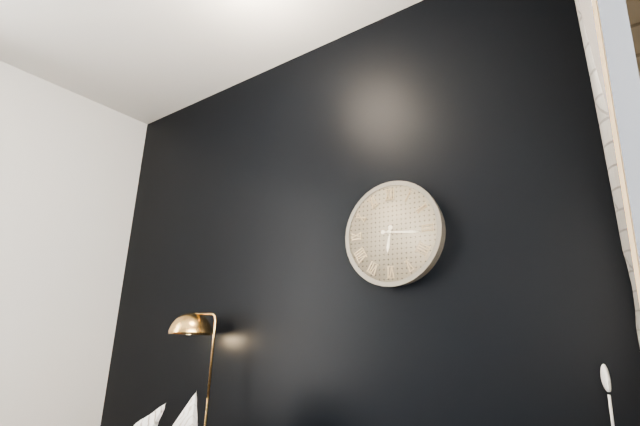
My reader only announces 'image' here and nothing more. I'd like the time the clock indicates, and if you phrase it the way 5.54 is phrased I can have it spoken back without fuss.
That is 6.16
